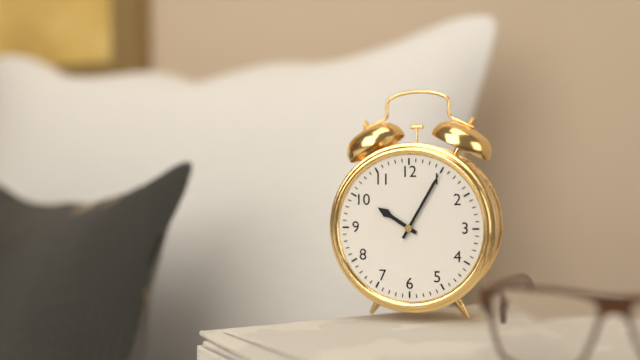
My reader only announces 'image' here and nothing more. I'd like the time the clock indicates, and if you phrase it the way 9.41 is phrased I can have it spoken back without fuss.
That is 10.05
